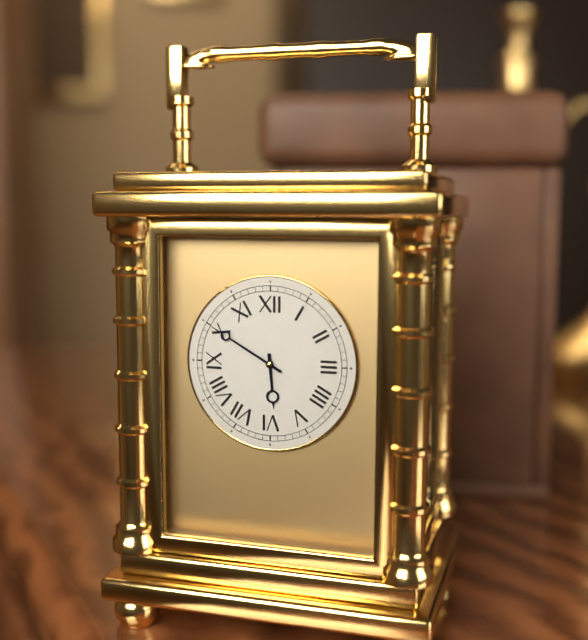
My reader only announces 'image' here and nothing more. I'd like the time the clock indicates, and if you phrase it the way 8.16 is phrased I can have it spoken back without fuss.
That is 5.50
